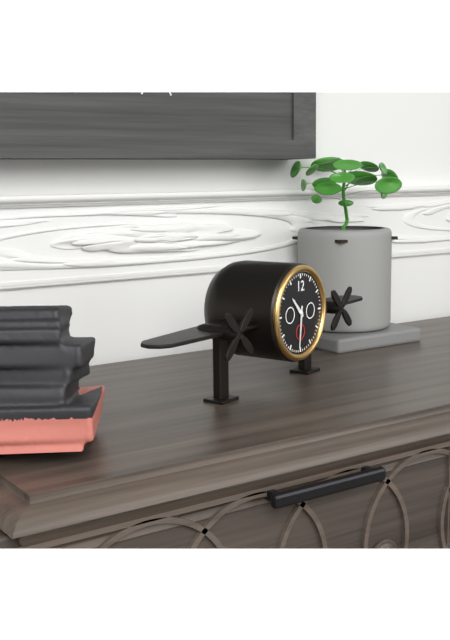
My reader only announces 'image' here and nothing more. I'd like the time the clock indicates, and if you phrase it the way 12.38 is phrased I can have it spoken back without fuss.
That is 10.31
